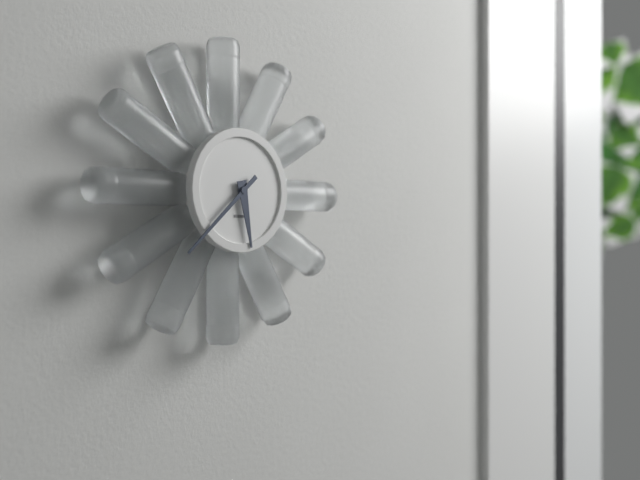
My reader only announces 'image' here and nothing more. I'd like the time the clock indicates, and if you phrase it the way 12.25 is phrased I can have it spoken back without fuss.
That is 5.38
